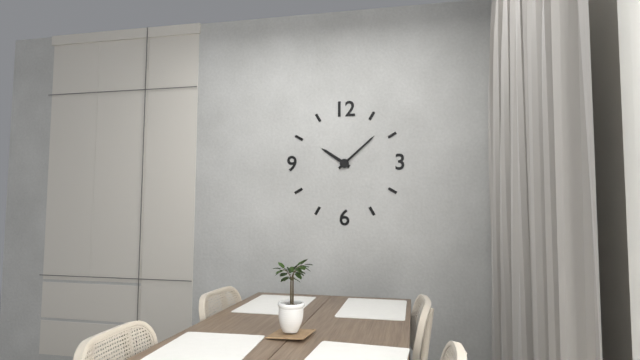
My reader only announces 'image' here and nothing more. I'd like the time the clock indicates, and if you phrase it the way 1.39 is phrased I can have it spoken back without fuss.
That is 10.08
